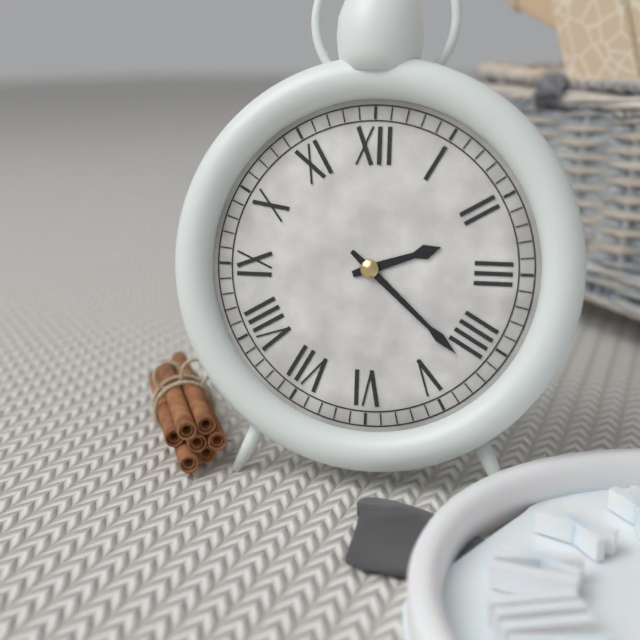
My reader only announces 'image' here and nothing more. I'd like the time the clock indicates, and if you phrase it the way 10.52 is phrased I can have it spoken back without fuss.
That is 2.22
